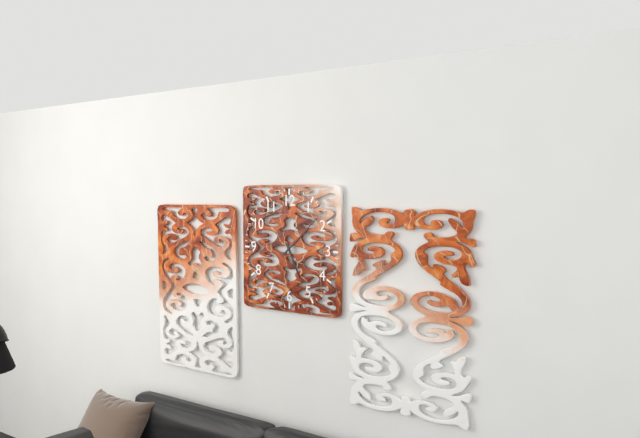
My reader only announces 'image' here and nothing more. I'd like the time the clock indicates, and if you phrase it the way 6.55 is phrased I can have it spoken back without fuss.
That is 5.08
